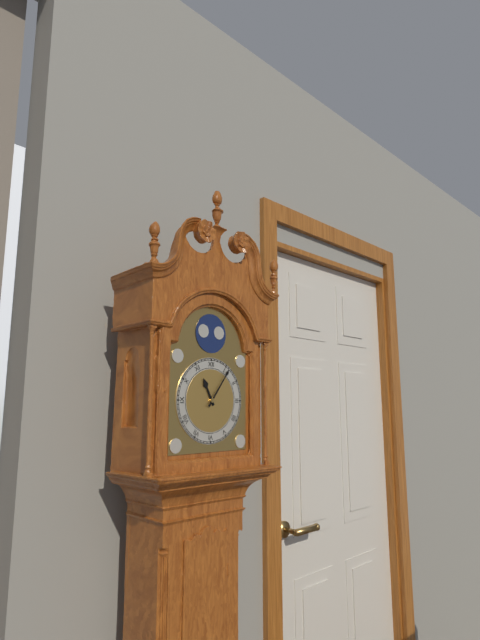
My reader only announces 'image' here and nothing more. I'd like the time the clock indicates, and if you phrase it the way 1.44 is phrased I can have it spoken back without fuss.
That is 11.06
